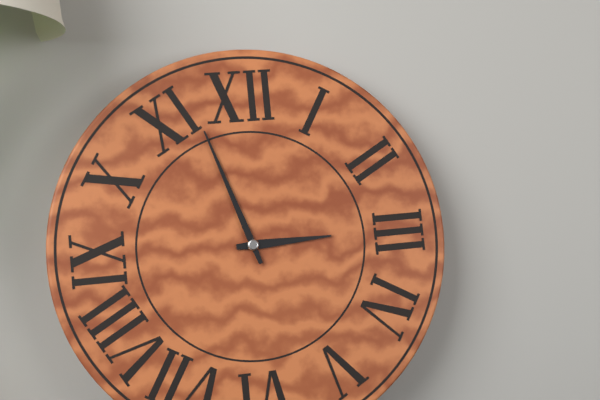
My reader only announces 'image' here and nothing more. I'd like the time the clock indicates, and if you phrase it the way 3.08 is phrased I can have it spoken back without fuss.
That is 2.57
